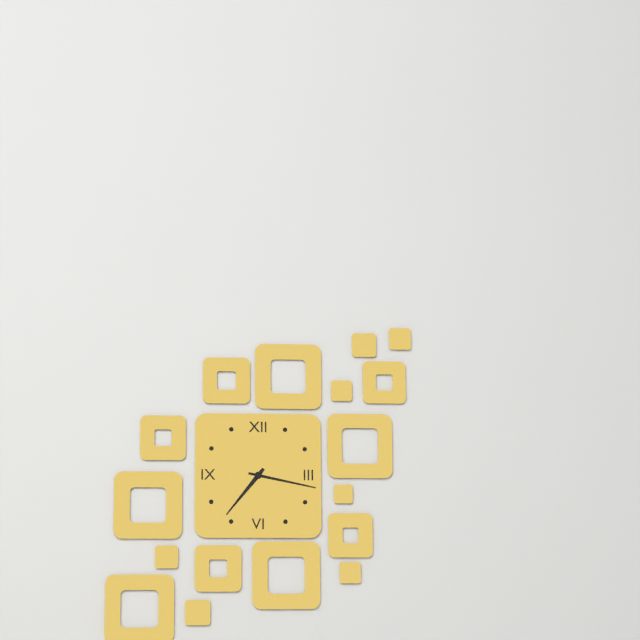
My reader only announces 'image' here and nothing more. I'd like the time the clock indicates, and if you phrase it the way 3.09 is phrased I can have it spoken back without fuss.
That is 7.17
